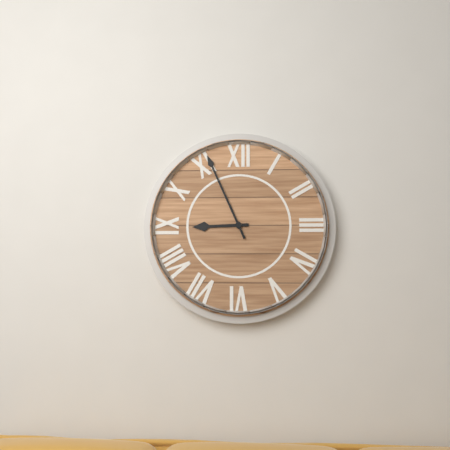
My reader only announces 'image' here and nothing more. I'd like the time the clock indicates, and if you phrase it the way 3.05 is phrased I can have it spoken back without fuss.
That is 8.56
